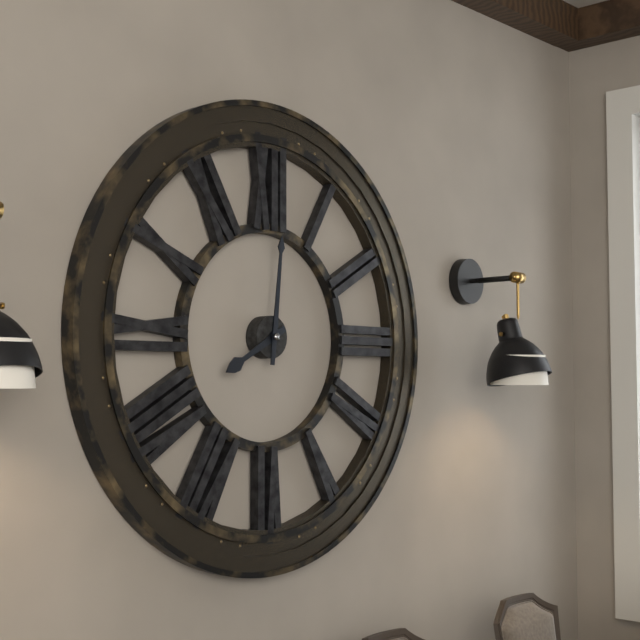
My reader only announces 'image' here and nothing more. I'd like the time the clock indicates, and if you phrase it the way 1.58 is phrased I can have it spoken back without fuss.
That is 8.01
